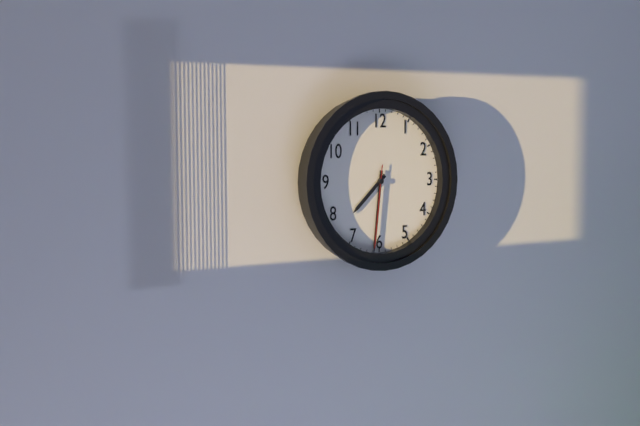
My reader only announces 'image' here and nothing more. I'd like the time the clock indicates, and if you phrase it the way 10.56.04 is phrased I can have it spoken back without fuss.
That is 7.31.31
